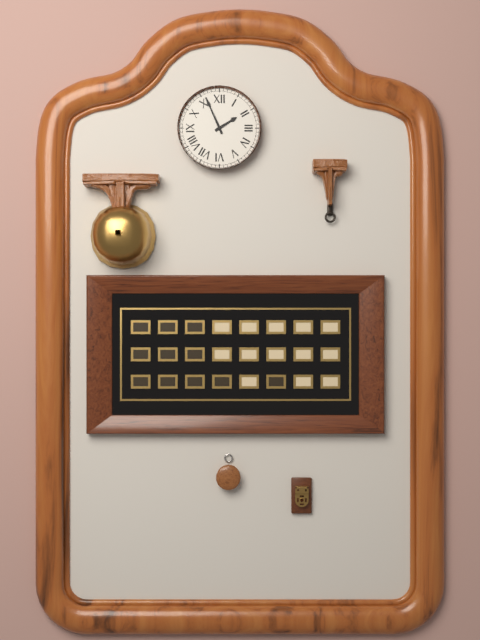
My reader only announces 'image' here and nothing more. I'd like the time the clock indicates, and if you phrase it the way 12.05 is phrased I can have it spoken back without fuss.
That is 1.56
